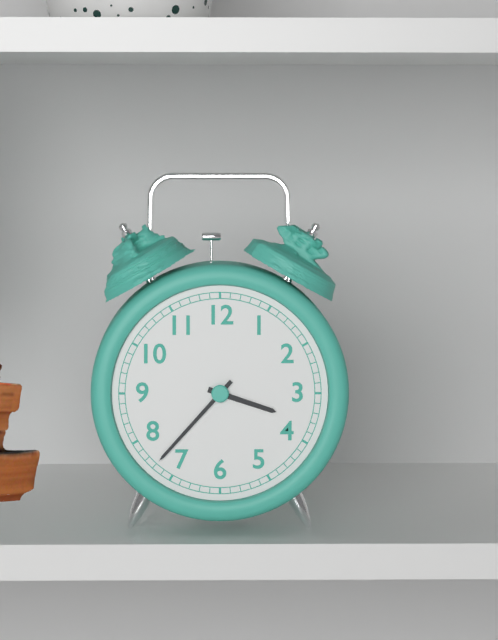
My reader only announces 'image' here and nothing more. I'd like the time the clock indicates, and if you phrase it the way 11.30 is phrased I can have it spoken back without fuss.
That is 3.37
